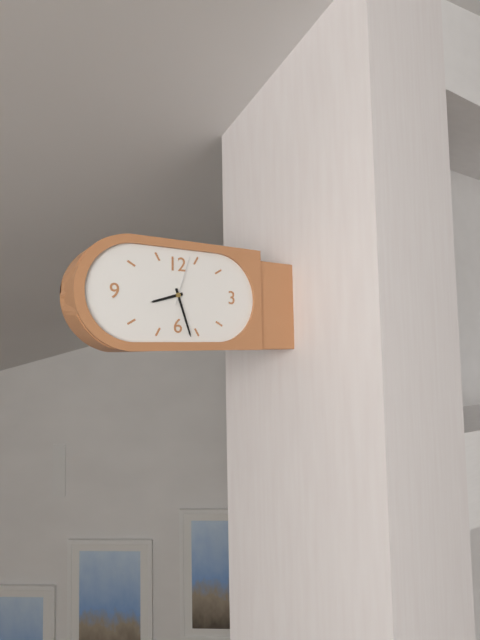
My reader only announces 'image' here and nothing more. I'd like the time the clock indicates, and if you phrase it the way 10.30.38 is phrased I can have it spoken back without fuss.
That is 8.27.03
